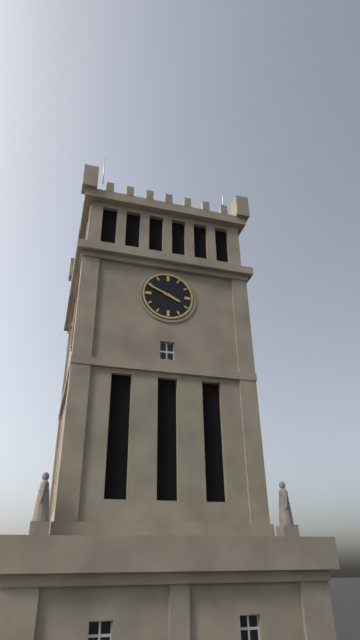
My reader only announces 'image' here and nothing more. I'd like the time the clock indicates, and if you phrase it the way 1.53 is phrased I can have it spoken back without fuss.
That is 3.49
